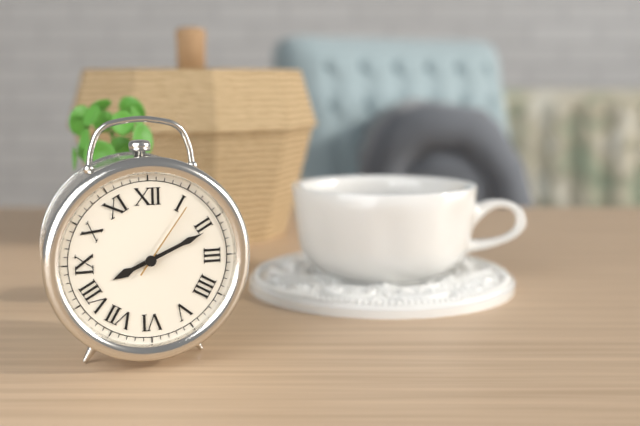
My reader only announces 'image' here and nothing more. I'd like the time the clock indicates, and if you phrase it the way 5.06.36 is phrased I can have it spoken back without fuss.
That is 8.11.06
